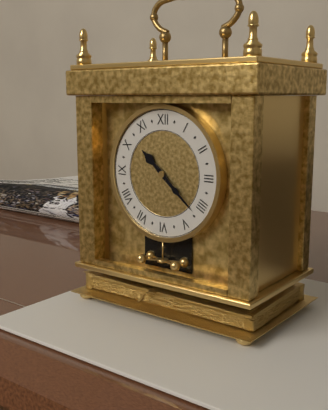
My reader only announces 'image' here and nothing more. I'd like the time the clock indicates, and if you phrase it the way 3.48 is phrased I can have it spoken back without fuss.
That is 10.22
